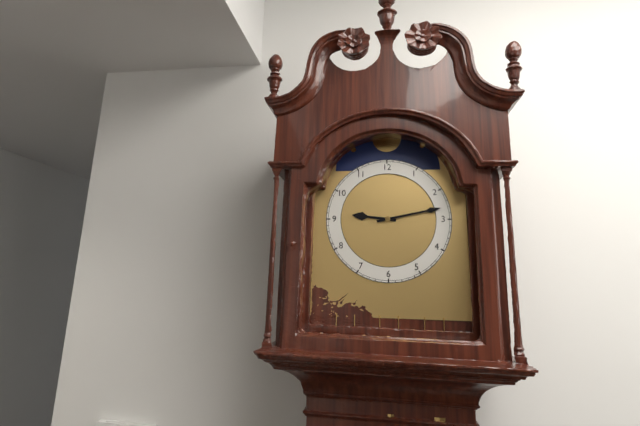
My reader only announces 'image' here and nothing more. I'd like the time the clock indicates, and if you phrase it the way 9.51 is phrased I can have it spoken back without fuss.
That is 9.13
